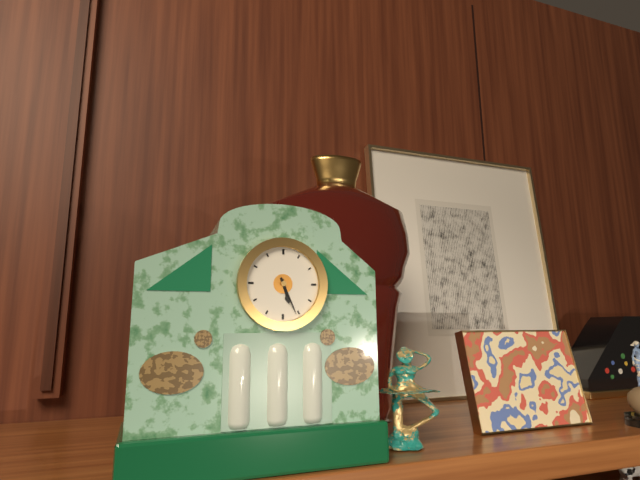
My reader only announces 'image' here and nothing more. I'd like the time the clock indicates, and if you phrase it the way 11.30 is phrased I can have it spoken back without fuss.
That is 5.26
